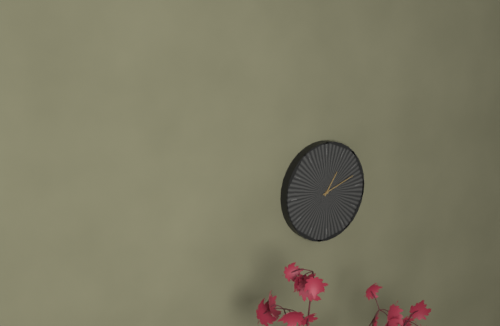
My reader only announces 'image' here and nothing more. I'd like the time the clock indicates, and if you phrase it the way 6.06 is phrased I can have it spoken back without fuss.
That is 1.12
